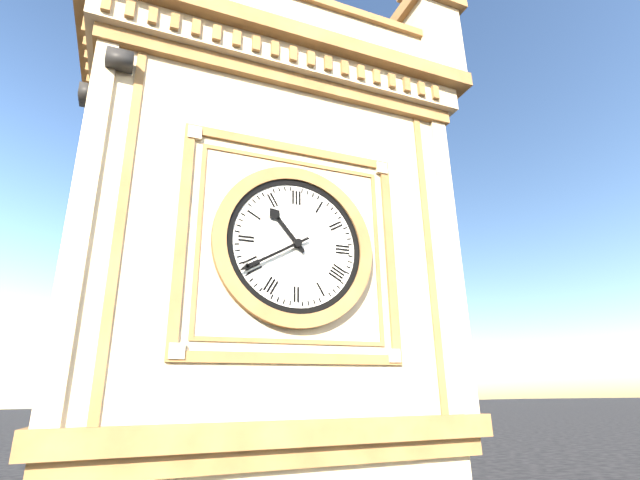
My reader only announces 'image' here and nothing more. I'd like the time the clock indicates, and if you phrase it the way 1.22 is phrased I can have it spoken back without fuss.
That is 10.40
